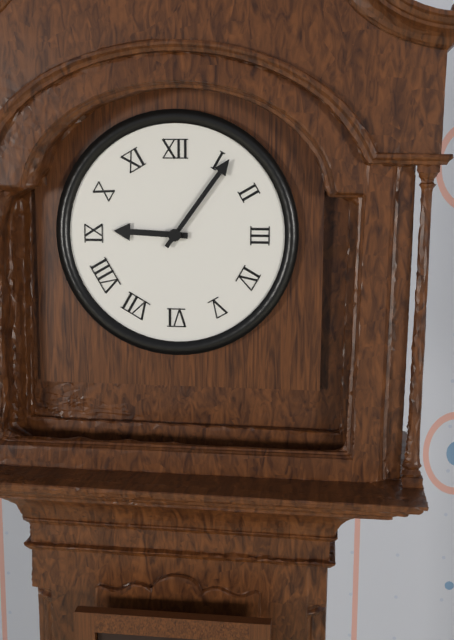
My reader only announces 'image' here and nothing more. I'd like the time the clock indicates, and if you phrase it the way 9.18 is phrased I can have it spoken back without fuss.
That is 9.06
